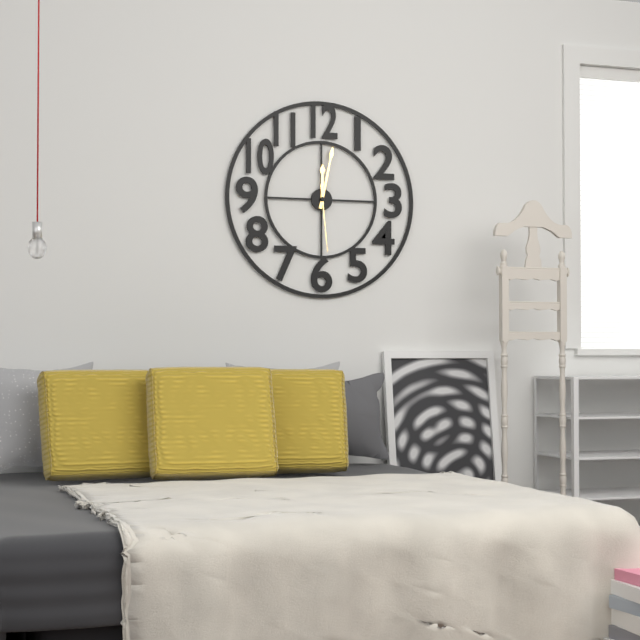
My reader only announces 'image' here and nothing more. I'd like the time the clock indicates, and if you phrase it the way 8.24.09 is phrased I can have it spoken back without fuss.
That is 12.02.29
